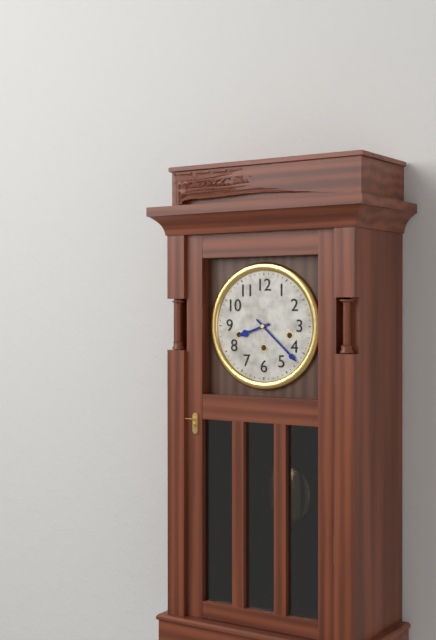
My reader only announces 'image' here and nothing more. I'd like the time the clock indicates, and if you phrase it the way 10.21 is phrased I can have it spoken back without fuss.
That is 8.22
